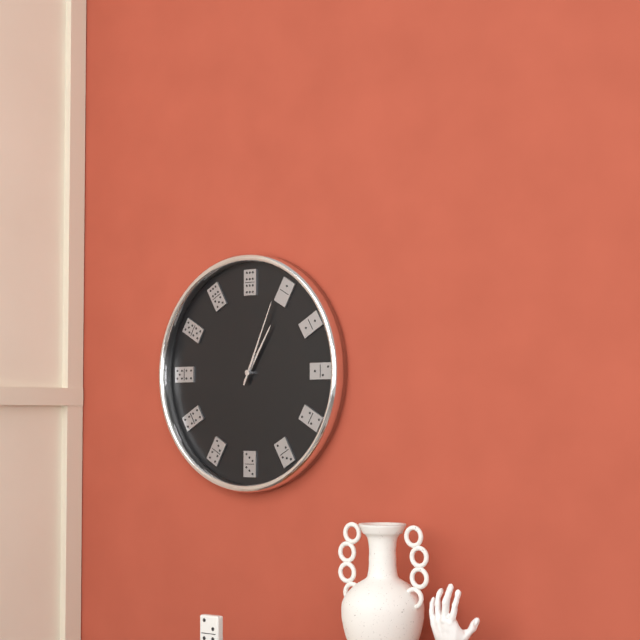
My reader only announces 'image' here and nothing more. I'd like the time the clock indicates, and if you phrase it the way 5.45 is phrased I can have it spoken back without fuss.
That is 1.04
